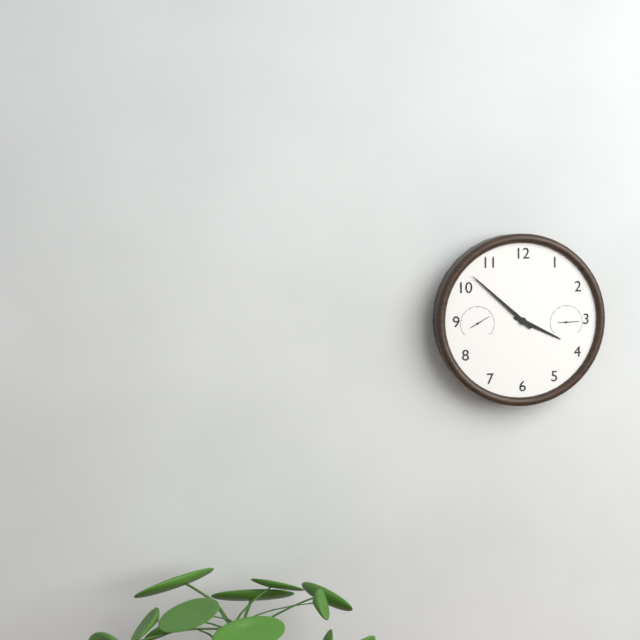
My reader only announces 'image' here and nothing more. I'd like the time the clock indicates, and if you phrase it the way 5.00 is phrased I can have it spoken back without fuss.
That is 3.52
